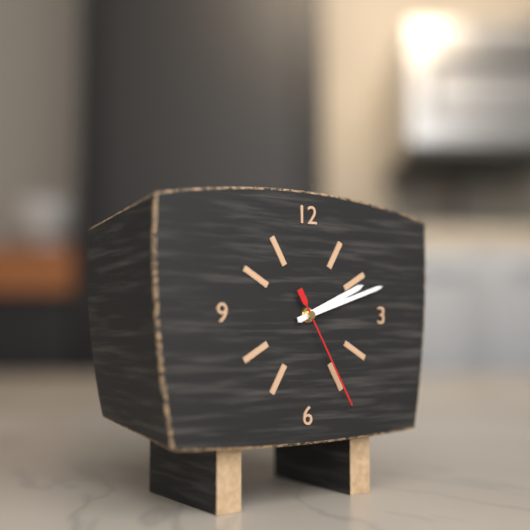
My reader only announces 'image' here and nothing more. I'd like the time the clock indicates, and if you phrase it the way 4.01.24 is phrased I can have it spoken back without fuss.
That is 2.12.25
